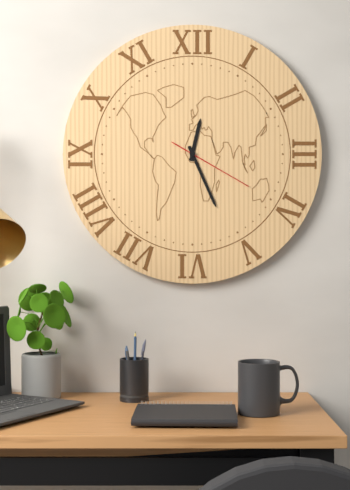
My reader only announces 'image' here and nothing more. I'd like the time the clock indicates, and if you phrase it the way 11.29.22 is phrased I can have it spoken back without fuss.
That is 12.26.20
